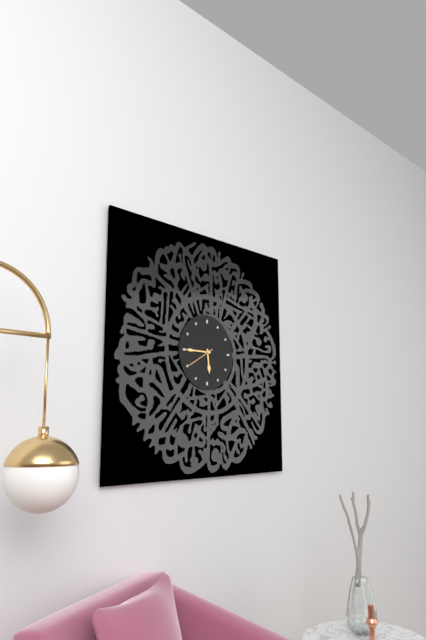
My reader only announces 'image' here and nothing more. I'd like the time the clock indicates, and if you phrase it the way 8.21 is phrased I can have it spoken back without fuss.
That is 5.45
